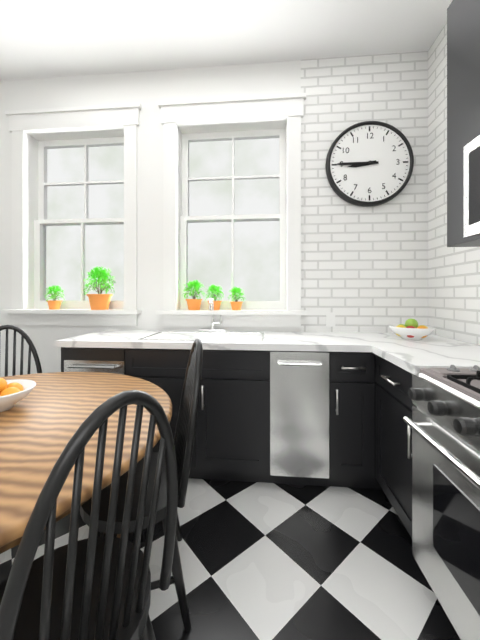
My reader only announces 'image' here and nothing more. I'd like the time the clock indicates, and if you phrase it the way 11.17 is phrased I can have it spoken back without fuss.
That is 8.45
